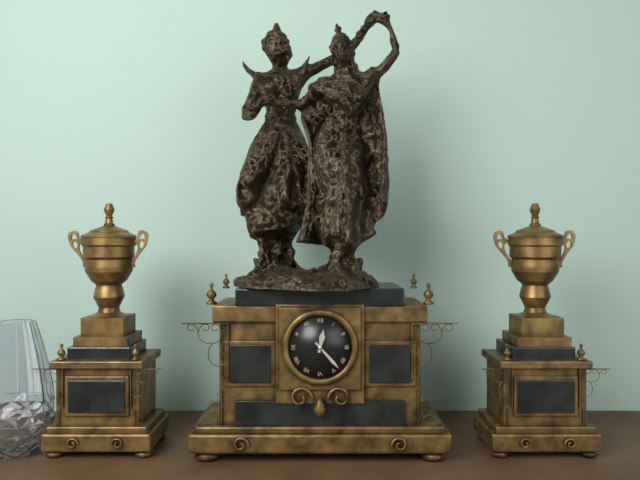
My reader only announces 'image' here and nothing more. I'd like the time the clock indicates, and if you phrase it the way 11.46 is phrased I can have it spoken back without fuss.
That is 12.23
